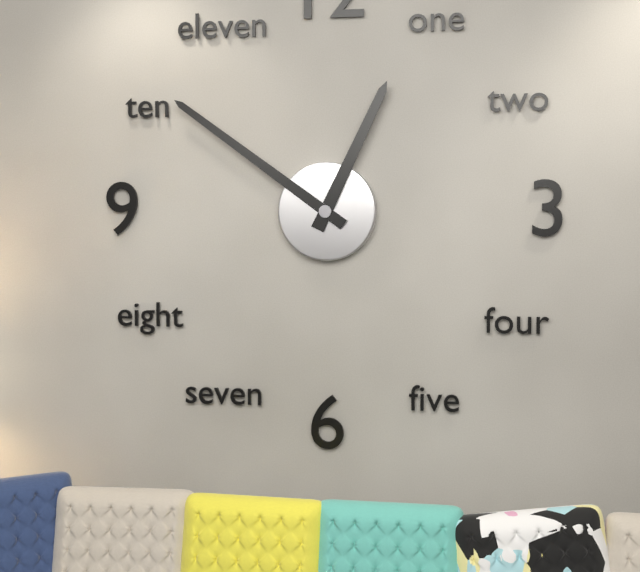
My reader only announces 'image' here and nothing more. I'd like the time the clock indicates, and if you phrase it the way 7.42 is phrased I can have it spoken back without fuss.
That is 12.51
